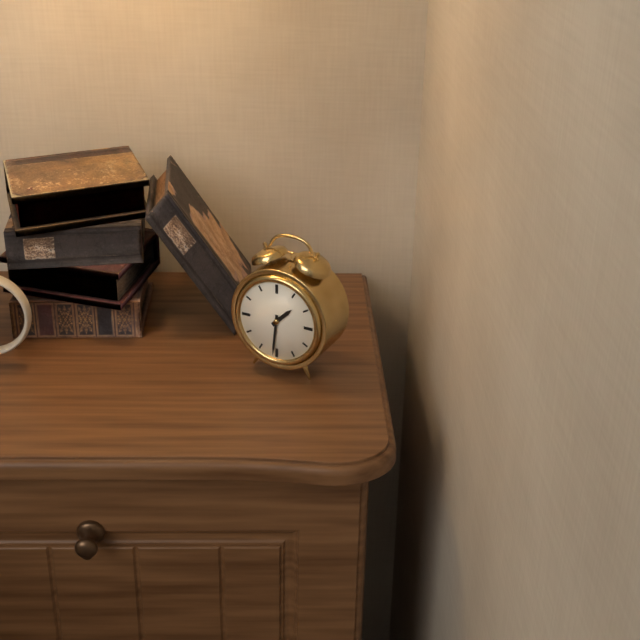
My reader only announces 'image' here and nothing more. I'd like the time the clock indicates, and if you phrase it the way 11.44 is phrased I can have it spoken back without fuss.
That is 1.31
